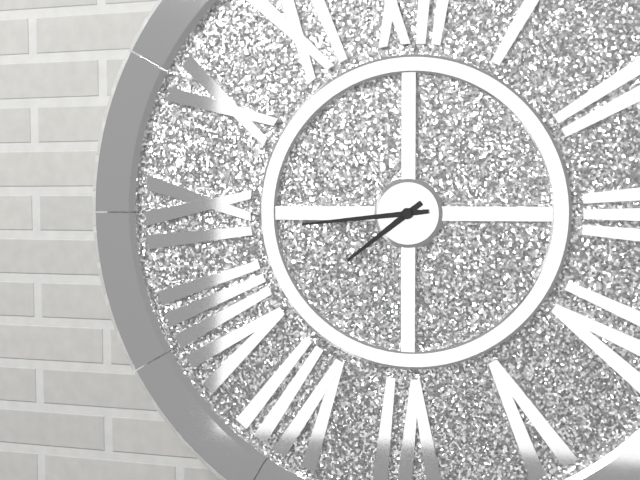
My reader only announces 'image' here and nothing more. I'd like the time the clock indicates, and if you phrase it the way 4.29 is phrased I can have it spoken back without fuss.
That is 7.44
